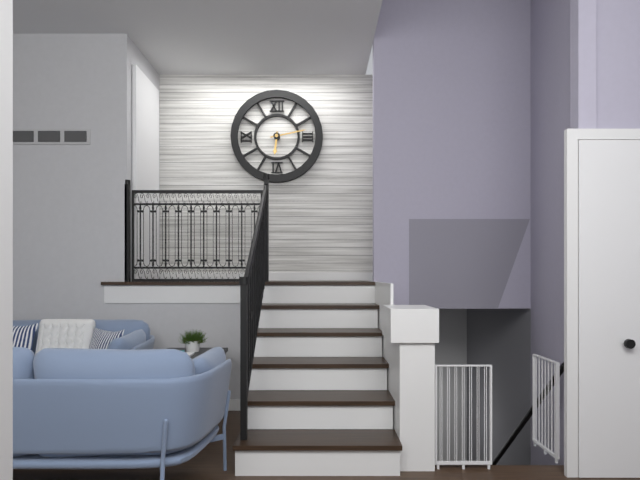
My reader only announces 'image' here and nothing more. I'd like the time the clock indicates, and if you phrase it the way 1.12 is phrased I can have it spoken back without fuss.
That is 6.13
